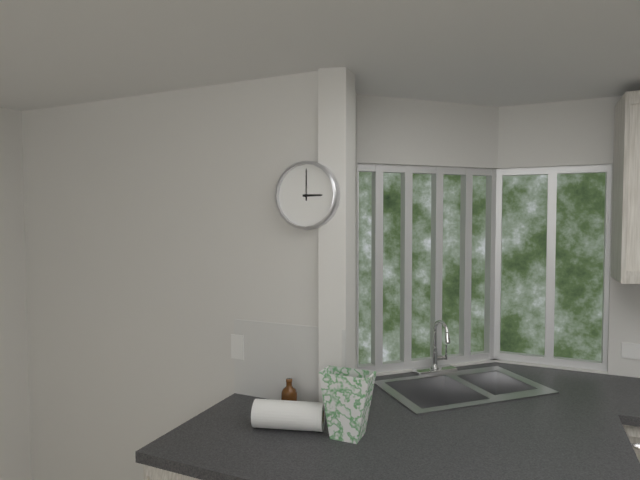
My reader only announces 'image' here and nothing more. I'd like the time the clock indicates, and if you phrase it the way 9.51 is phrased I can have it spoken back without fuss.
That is 3.00
